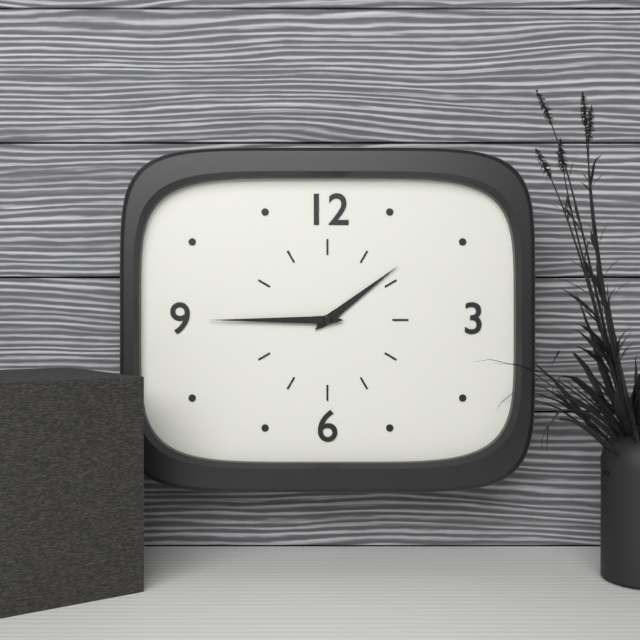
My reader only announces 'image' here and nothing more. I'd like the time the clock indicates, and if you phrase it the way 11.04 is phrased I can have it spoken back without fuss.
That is 1.45
